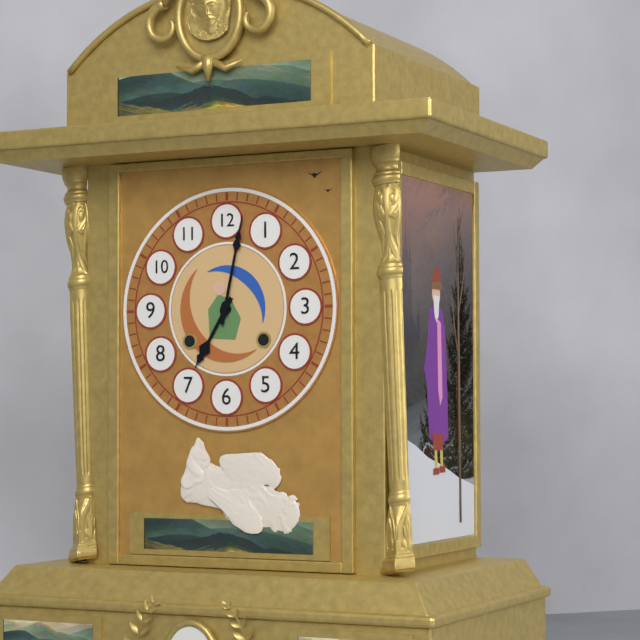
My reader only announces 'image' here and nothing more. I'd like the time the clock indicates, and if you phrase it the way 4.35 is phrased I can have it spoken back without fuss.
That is 7.02
